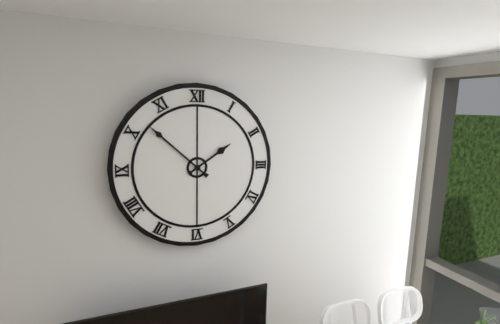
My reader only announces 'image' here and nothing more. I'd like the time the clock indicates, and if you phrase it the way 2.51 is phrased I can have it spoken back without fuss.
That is 1.52
